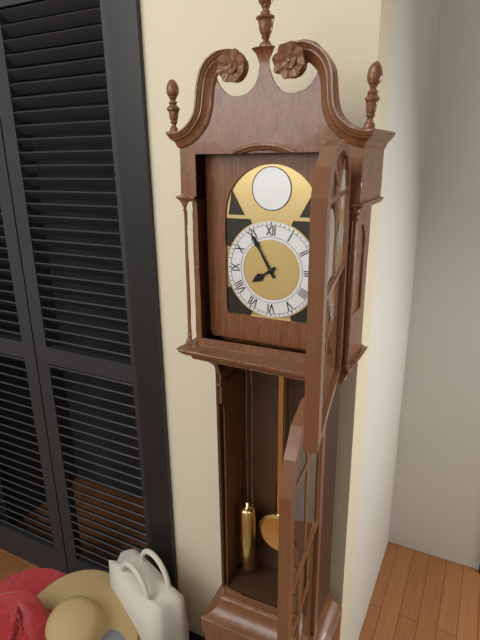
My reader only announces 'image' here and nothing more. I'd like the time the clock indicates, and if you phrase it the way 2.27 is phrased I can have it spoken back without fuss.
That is 7.55
